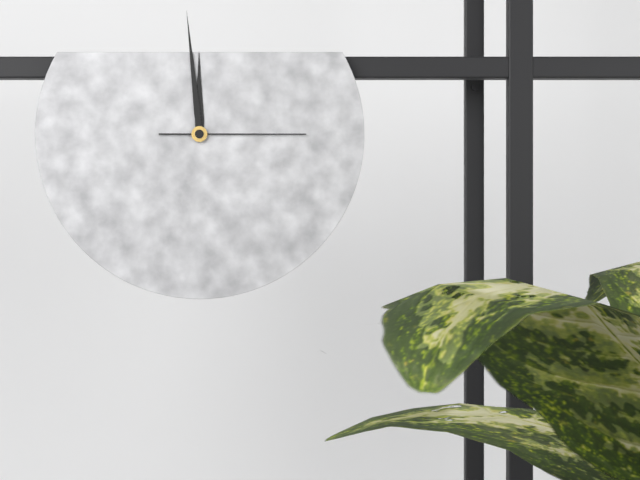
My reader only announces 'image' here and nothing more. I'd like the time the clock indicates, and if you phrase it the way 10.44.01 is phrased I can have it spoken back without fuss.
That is 11.59.15
